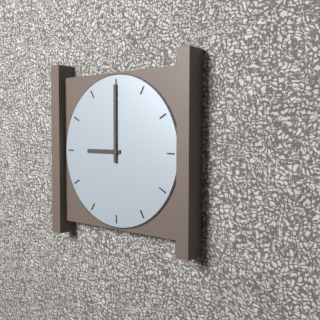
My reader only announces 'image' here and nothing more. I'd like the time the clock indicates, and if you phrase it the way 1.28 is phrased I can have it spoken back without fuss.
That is 9.00
